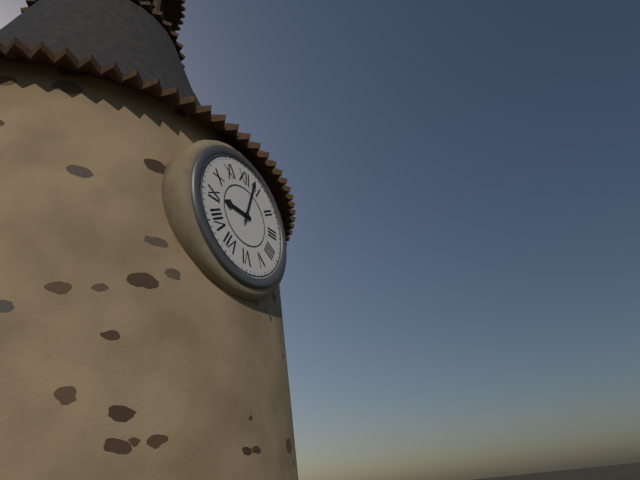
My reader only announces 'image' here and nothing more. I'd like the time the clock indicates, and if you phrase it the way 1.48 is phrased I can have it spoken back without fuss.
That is 9.03
